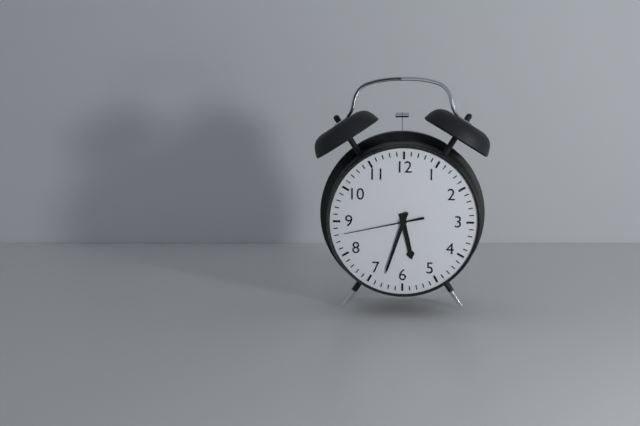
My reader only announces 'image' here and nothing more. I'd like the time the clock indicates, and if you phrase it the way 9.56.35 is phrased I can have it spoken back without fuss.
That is 5.33.43
